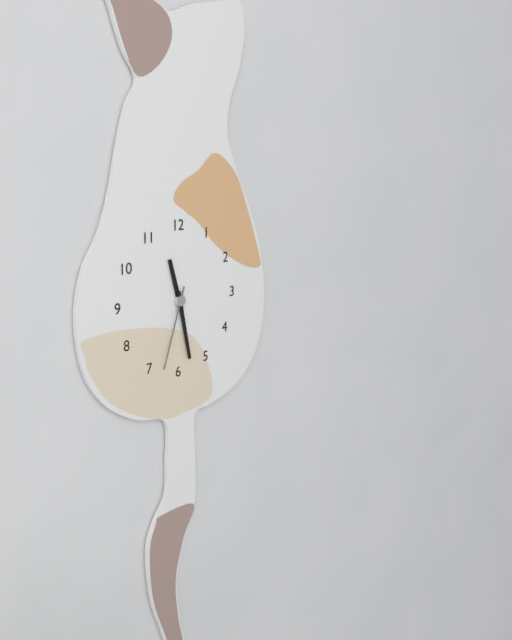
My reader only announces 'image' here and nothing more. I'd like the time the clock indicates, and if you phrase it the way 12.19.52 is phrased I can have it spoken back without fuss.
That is 11.28.33
